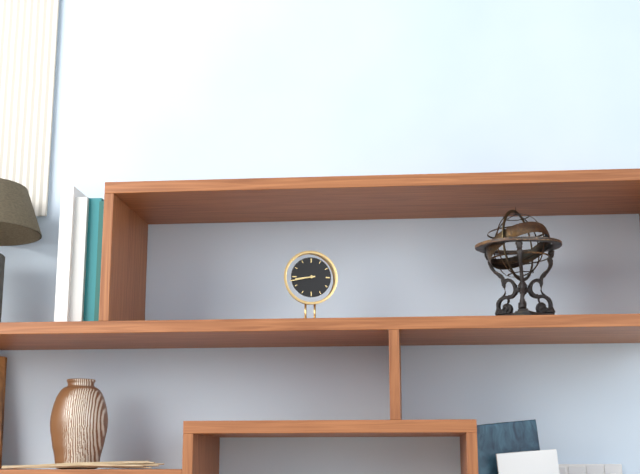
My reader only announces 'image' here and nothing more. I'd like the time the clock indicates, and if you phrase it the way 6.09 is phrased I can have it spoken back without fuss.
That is 8.43
